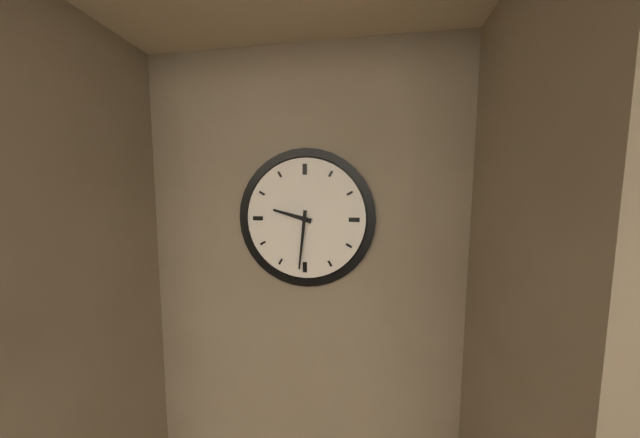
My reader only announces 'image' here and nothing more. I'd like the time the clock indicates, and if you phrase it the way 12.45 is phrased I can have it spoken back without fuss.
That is 9.31
